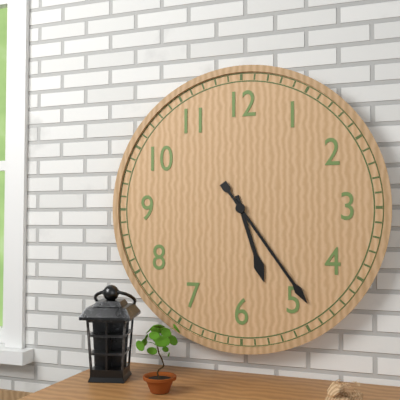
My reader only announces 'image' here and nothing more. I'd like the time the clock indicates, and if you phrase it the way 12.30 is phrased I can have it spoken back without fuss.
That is 5.24
